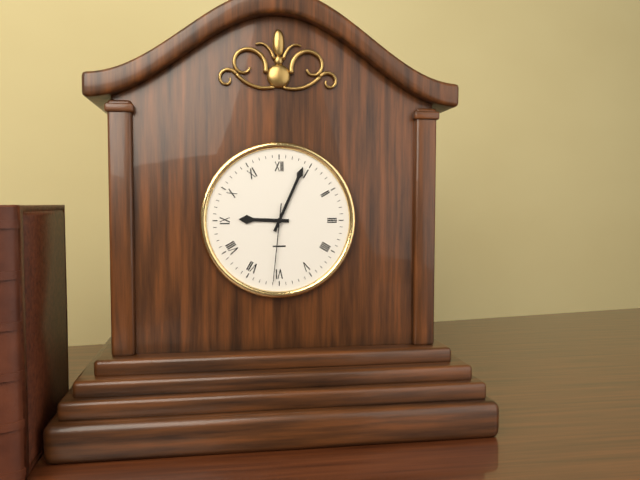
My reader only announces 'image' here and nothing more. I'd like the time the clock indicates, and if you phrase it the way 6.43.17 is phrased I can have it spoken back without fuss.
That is 9.04.31
